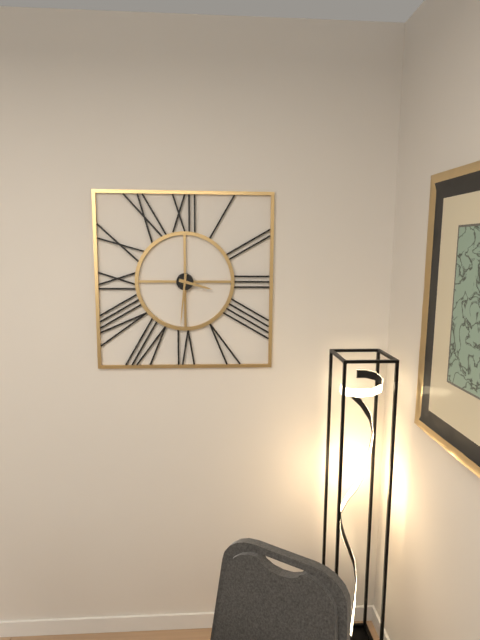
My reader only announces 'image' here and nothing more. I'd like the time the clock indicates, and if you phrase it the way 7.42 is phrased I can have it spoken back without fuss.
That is 3.31
